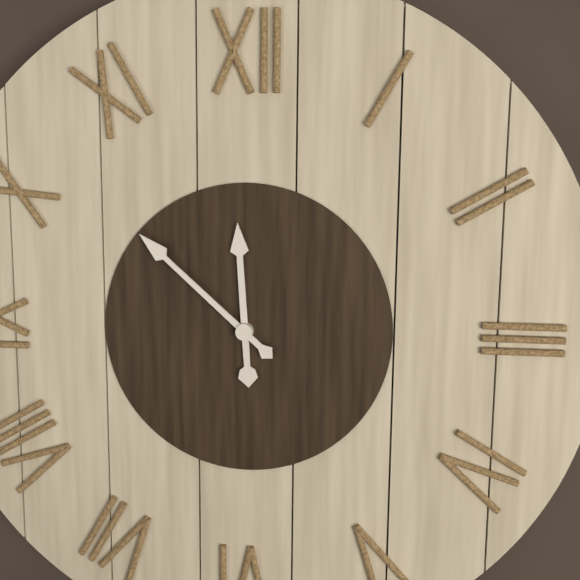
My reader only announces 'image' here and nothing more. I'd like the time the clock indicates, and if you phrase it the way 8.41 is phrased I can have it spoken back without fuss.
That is 11.52
